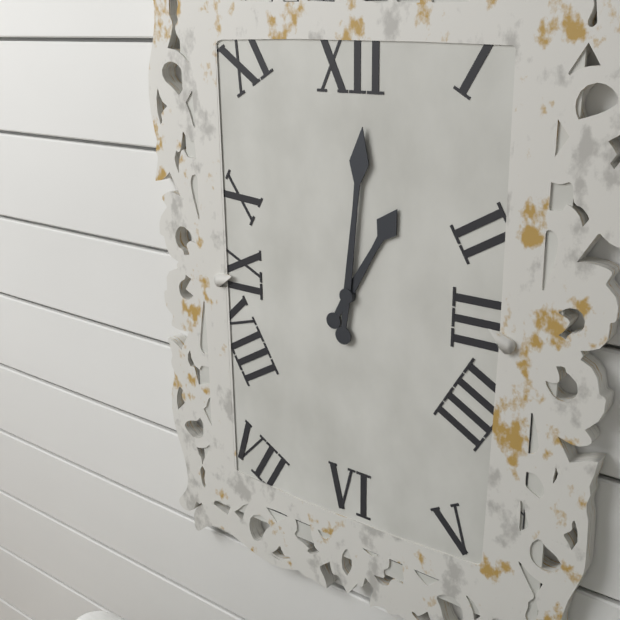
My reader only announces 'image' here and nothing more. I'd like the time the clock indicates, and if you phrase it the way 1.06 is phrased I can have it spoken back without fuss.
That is 1.01
